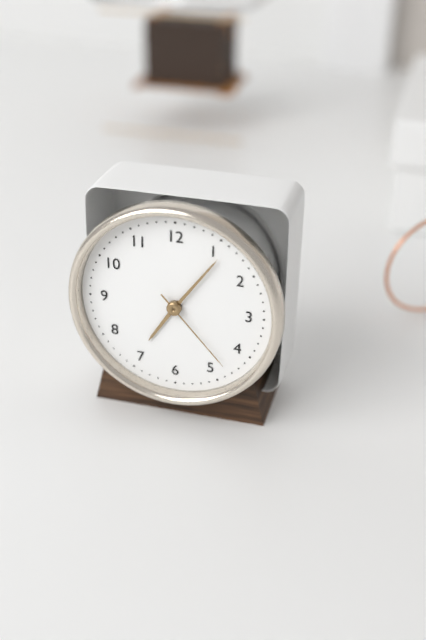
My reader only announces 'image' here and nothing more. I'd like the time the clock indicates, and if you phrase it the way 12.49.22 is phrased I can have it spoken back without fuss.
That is 7.06.23
